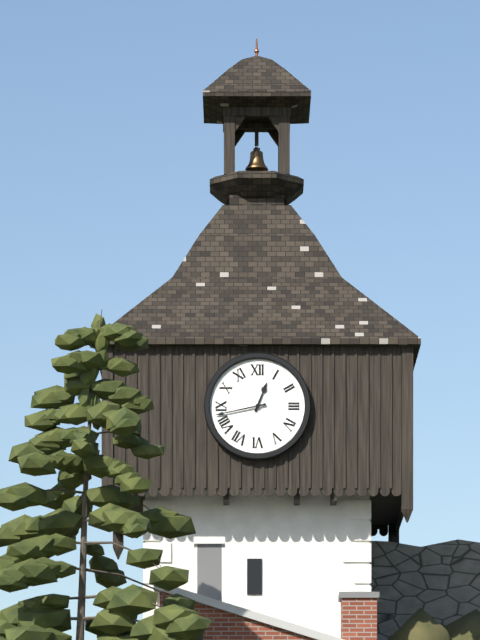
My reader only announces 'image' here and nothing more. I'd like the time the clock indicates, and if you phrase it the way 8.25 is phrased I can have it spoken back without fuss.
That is 12.43
